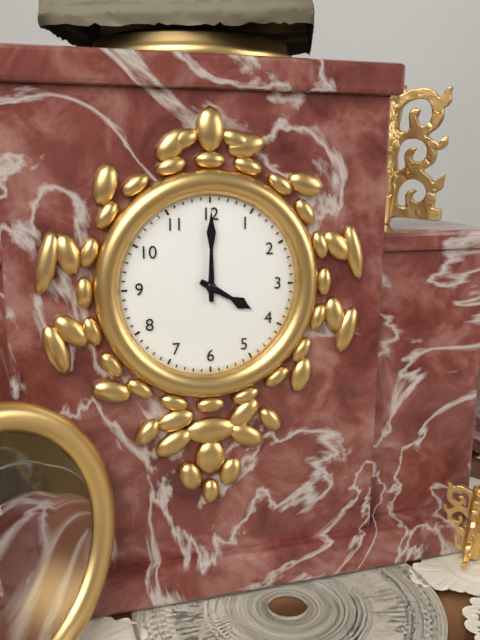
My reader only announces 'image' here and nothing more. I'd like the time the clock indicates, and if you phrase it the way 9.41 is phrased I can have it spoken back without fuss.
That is 4.00
